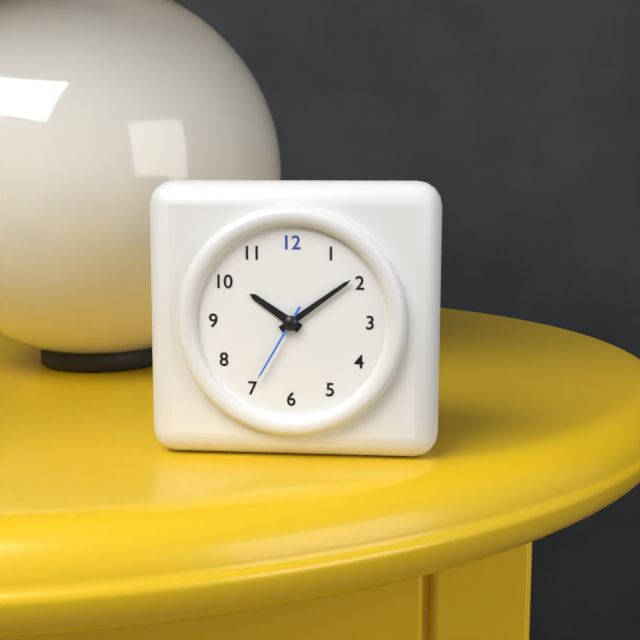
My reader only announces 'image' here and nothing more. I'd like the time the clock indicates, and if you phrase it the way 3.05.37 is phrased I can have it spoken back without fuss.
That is 10.09.35
